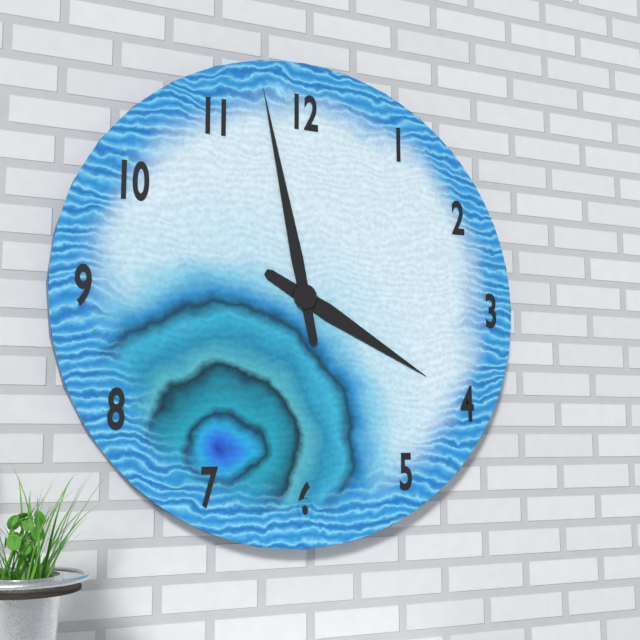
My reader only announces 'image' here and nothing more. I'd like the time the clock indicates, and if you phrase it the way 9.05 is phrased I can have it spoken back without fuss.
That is 3.58
